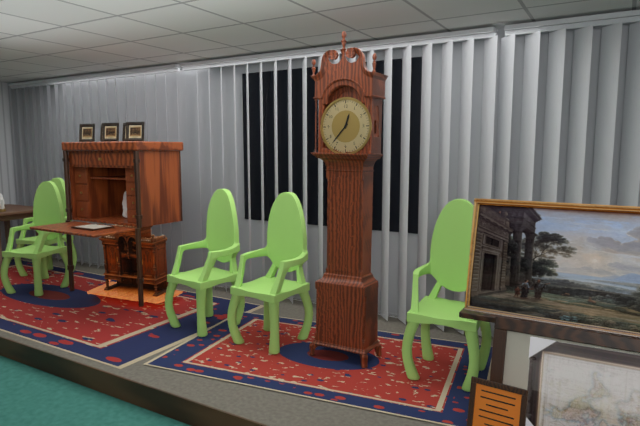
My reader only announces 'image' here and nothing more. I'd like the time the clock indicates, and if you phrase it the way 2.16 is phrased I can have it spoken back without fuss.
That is 12.37
